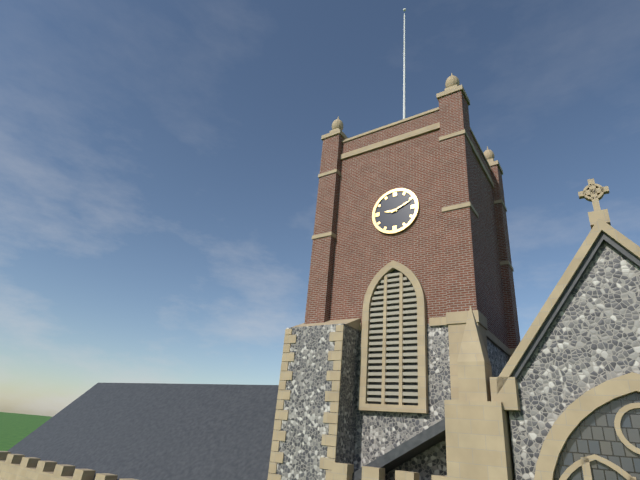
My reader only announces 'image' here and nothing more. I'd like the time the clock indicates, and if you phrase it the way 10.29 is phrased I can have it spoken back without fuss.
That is 9.11
